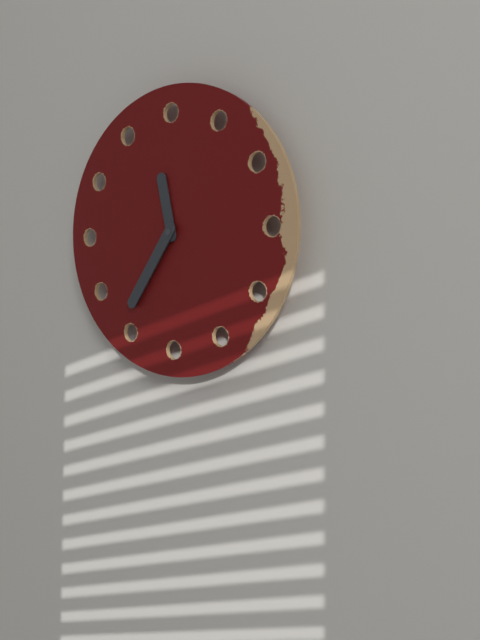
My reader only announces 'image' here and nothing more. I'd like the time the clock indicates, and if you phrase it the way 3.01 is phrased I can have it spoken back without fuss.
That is 11.36
